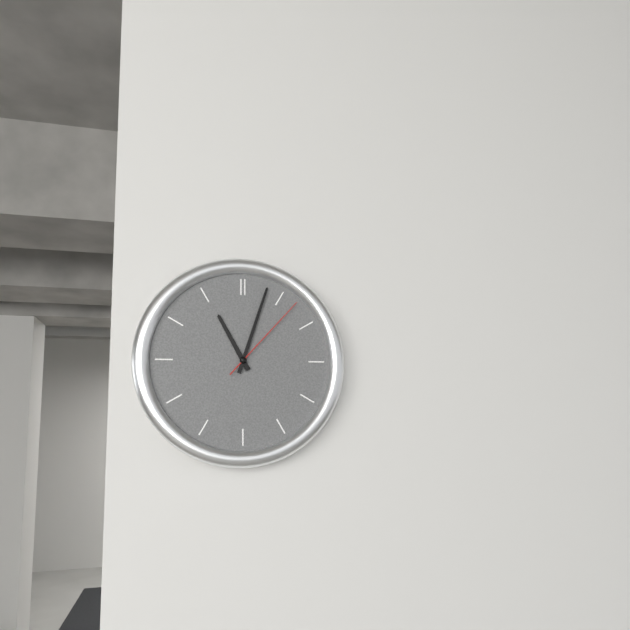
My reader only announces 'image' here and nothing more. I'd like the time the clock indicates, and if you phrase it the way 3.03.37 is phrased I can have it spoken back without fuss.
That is 11.03.07
